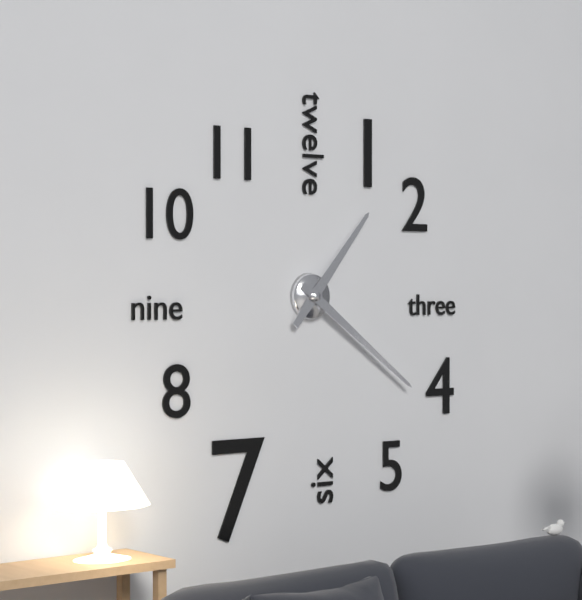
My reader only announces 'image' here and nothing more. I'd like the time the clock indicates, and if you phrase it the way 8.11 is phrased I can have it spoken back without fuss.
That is 1.21
